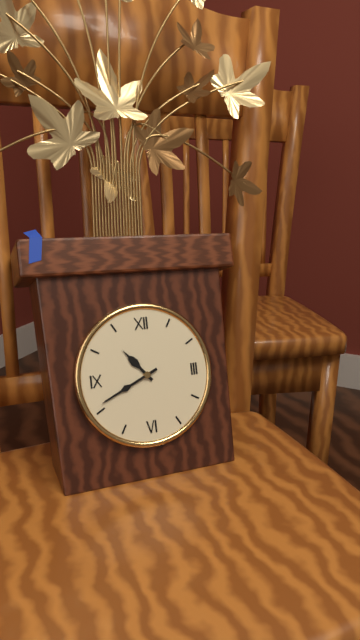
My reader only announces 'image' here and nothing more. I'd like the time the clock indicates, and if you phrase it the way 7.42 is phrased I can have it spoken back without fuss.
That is 10.41
